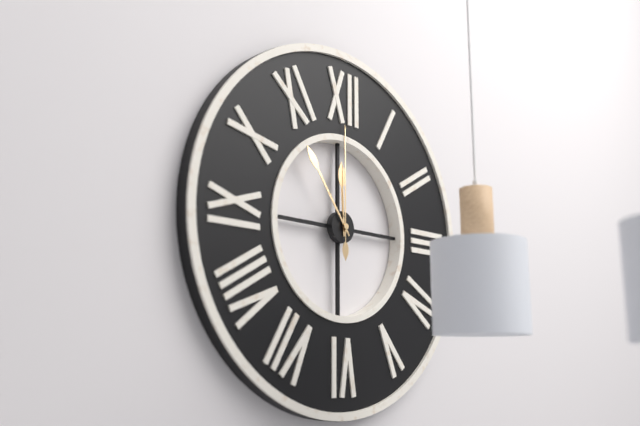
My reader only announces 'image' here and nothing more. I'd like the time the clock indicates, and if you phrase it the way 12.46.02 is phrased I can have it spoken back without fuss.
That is 11.54.00
